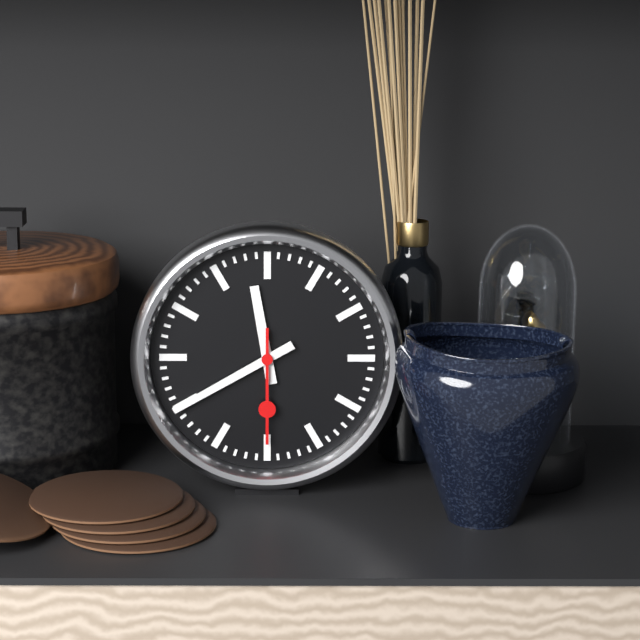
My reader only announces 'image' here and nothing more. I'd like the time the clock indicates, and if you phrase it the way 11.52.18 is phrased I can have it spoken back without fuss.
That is 11.40.30
